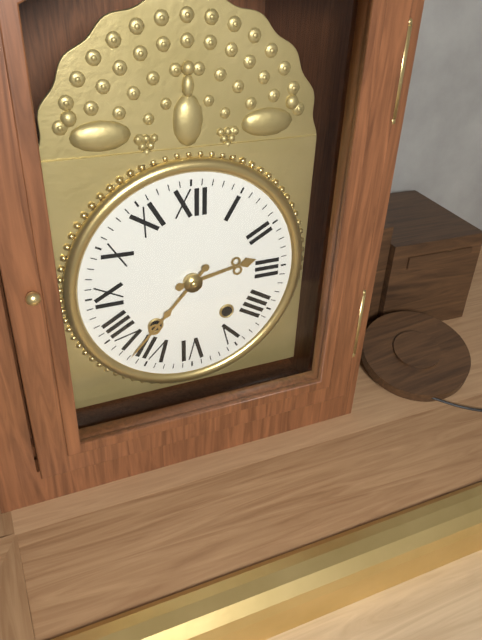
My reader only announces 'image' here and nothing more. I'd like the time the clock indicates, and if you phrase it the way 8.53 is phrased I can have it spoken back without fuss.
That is 2.37
